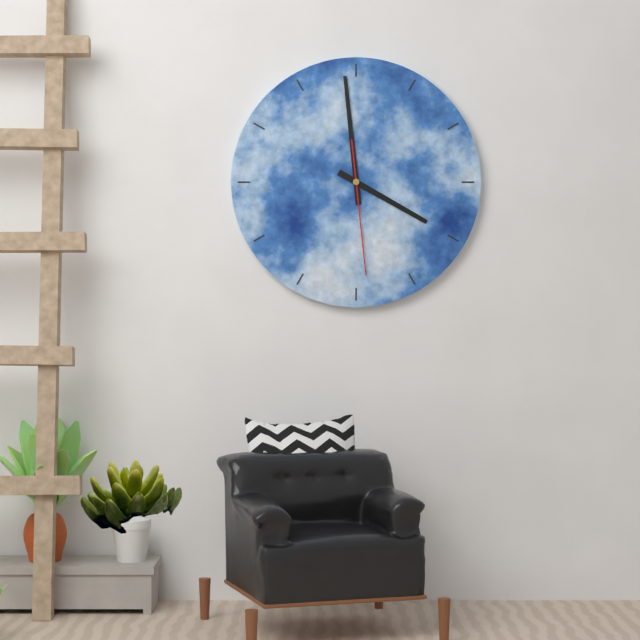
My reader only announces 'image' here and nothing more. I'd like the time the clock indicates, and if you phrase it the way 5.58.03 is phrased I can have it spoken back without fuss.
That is 3.59.29
